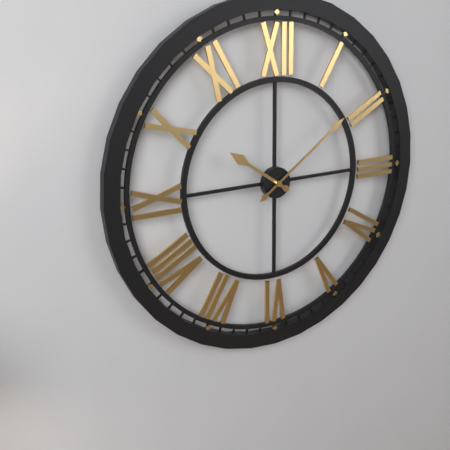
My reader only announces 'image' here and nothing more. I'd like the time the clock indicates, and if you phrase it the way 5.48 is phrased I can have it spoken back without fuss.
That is 10.09
